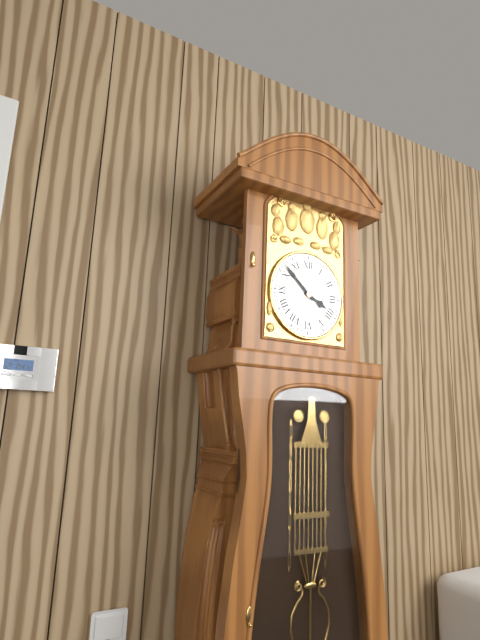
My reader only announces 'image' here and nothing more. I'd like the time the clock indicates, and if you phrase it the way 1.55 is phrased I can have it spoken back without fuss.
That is 3.52
